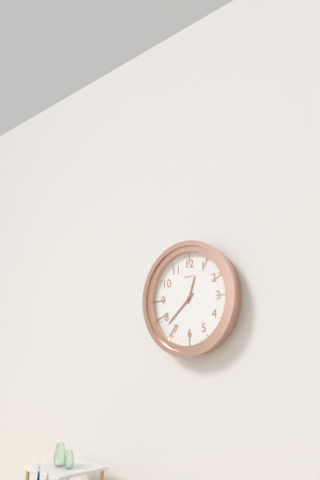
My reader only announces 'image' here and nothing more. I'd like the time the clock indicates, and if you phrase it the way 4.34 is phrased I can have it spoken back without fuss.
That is 12.38
